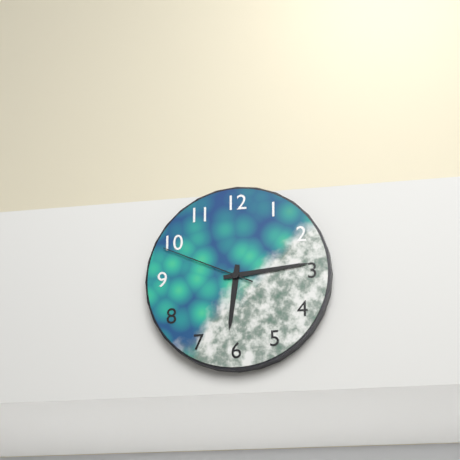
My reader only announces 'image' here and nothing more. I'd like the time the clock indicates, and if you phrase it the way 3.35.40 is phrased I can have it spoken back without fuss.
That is 6.14.49
